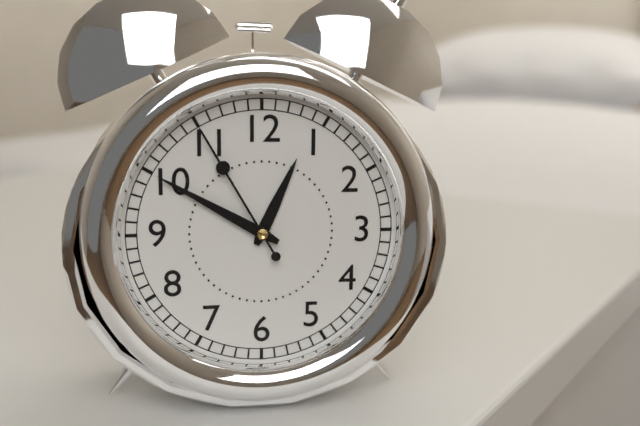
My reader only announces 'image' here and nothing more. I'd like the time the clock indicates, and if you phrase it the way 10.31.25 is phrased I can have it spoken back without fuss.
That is 12.50.55
